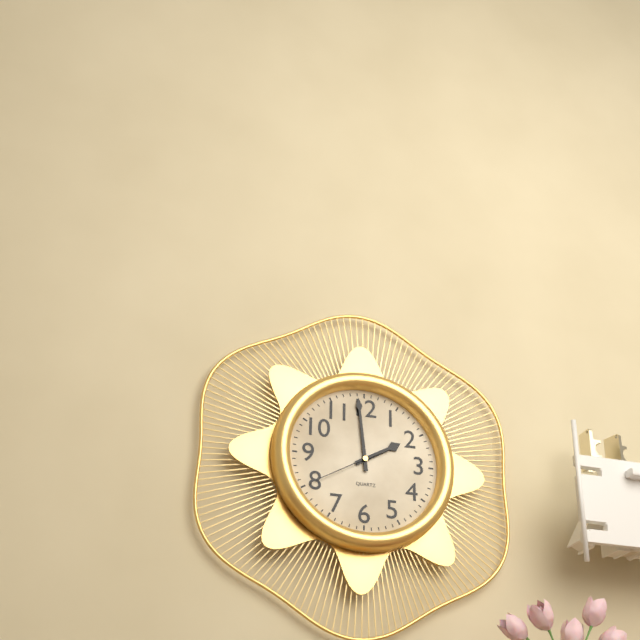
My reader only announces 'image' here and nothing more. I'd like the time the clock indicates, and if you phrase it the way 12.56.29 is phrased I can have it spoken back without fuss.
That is 1.59.40
